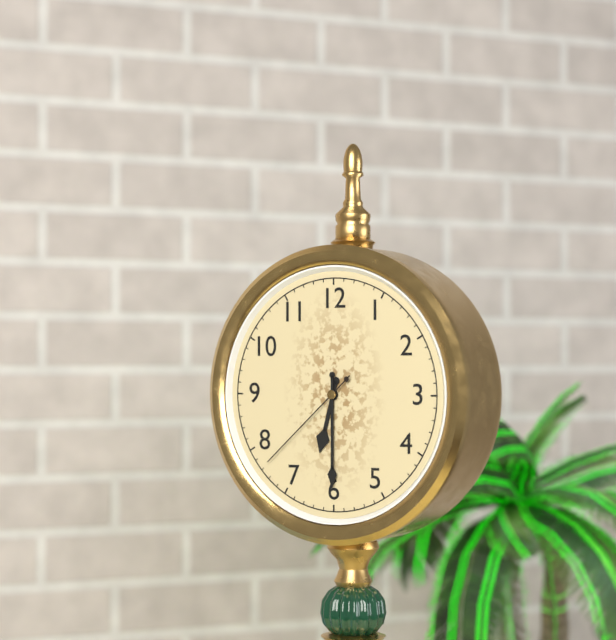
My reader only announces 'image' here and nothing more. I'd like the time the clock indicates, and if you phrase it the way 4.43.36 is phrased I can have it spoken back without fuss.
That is 6.30.38
